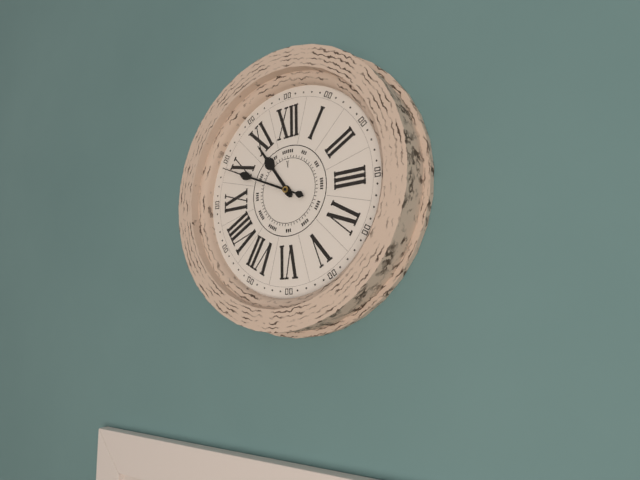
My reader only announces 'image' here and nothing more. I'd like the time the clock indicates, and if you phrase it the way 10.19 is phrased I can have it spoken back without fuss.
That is 10.49
